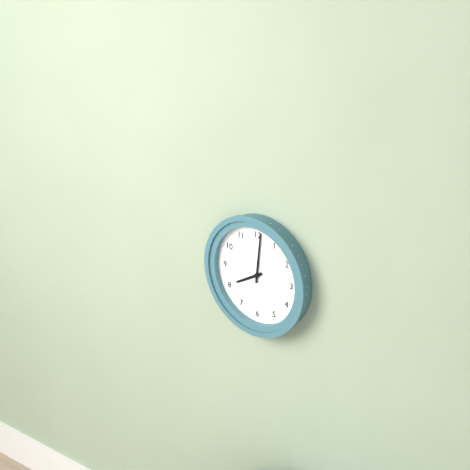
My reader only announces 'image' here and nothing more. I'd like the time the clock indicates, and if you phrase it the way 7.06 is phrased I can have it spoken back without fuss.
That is 8.01
